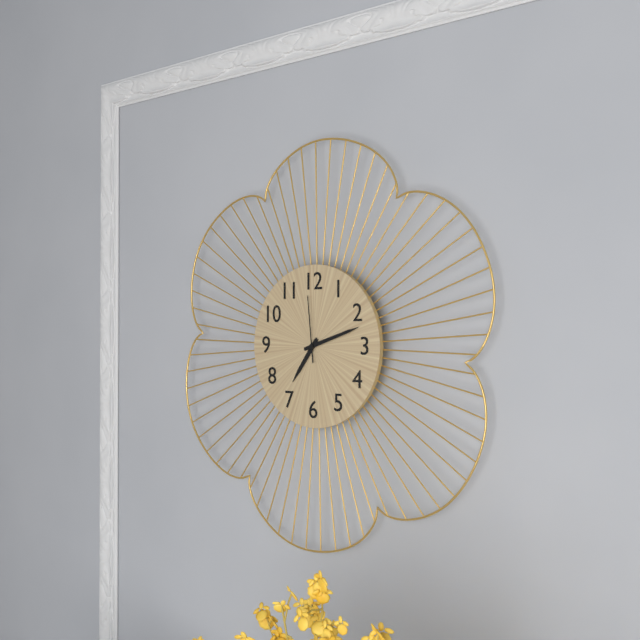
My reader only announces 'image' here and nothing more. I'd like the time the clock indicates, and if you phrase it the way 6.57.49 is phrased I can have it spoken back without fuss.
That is 7.12.59
